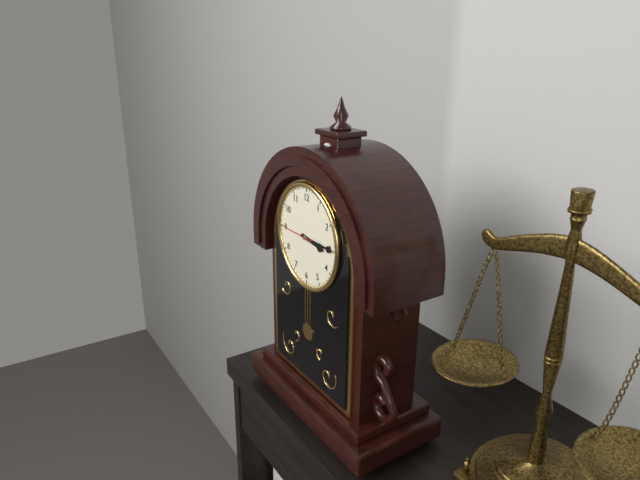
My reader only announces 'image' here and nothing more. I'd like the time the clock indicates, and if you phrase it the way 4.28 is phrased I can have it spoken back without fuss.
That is 3.15
